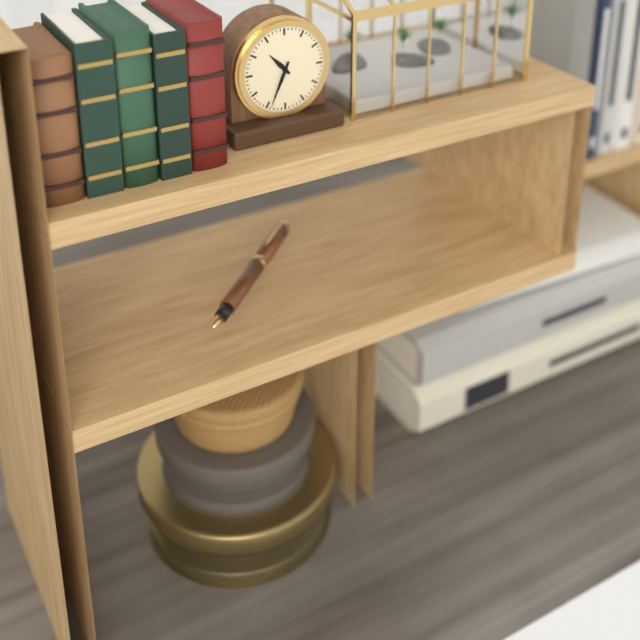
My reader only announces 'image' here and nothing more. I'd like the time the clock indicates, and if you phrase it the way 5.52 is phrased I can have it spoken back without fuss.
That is 10.34
